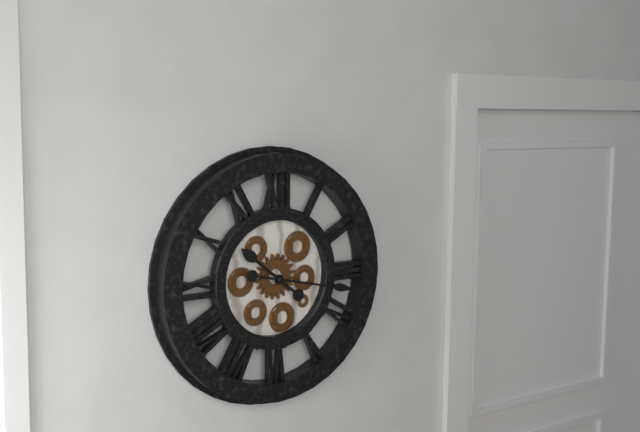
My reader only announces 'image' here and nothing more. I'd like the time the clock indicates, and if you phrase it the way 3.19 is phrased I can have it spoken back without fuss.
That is 10.17
